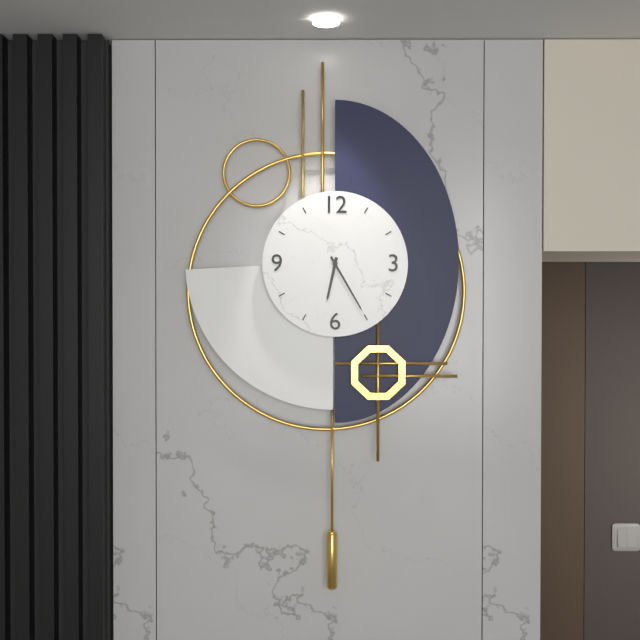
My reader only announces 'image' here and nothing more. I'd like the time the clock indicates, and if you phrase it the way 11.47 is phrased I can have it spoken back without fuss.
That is 6.25
